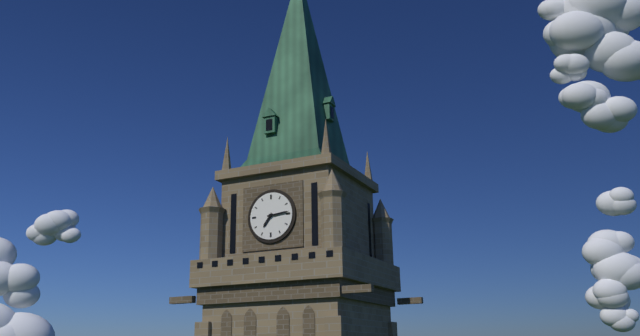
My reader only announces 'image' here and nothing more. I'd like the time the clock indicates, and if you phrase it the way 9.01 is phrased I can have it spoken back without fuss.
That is 7.14
